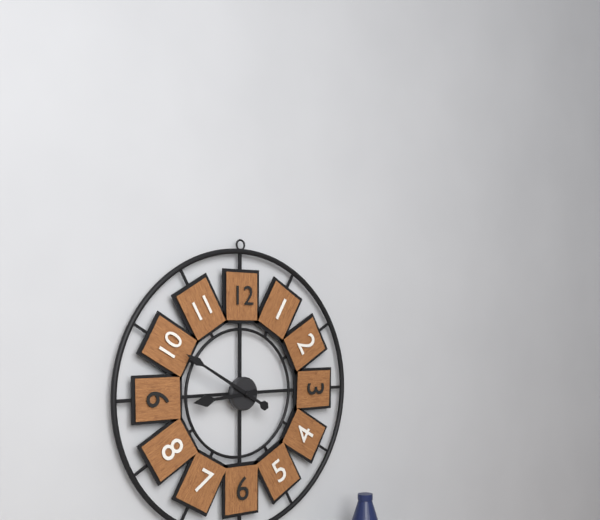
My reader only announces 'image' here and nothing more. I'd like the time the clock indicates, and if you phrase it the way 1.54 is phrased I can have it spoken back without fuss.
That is 8.50
